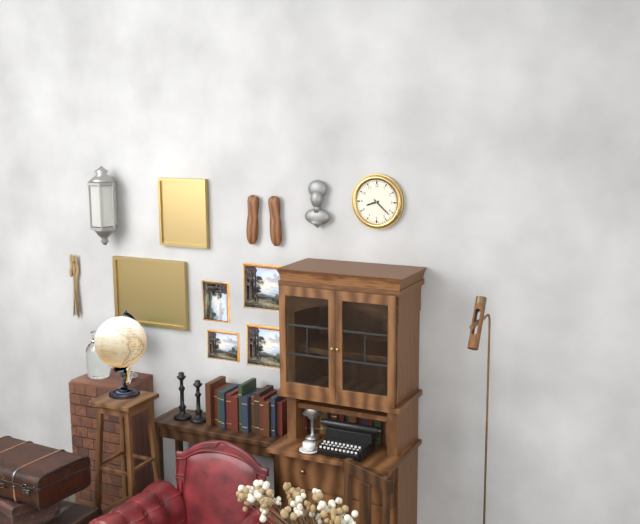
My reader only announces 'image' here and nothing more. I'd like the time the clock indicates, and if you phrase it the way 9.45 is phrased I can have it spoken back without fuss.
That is 8.22
